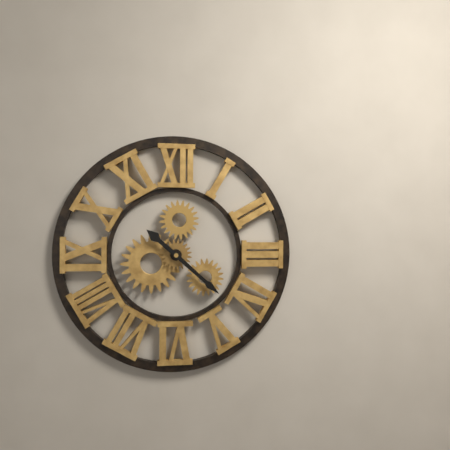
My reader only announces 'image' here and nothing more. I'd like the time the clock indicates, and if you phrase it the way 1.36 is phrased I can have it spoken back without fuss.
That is 10.22
